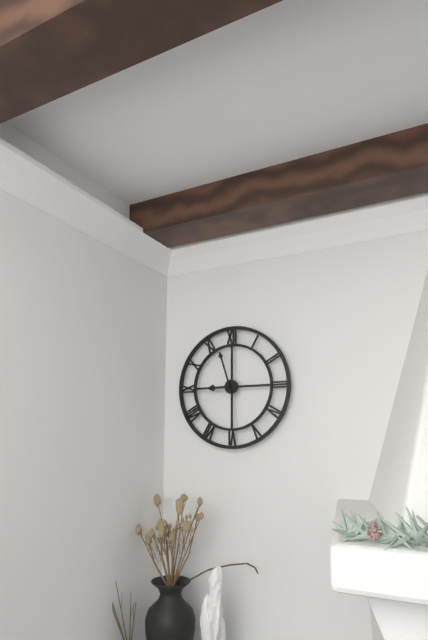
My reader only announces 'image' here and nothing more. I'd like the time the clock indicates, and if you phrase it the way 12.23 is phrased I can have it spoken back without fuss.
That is 8.57
